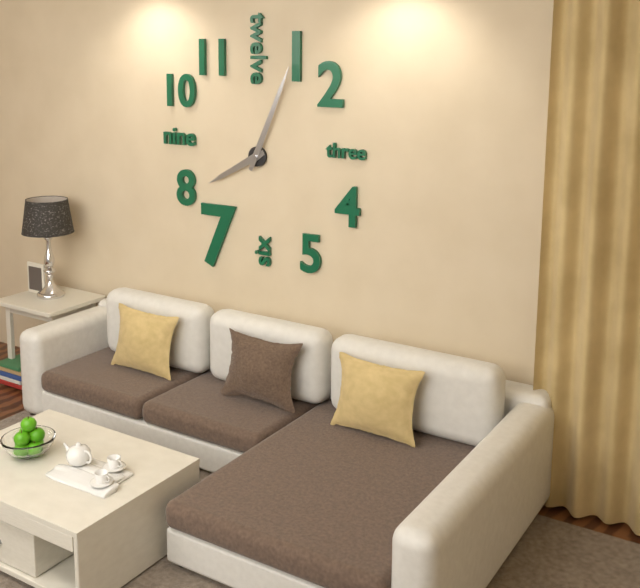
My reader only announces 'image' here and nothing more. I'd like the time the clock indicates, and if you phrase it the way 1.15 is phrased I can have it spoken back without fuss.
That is 8.04
